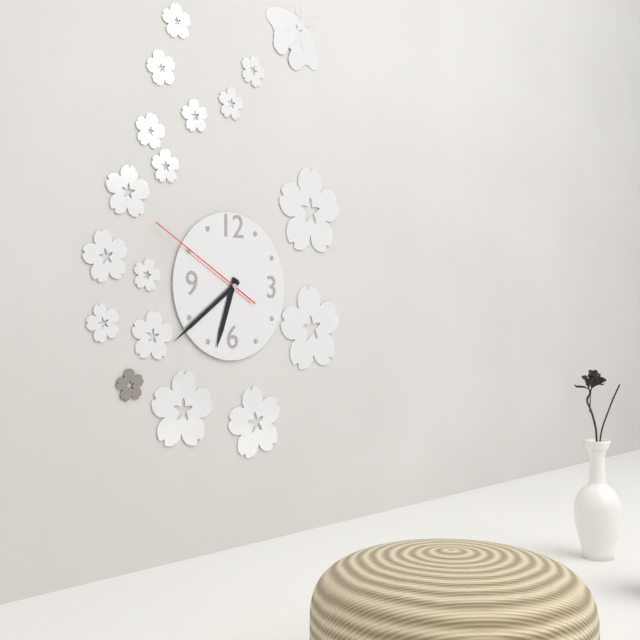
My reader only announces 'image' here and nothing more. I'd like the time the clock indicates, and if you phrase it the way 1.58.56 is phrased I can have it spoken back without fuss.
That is 6.39.50
